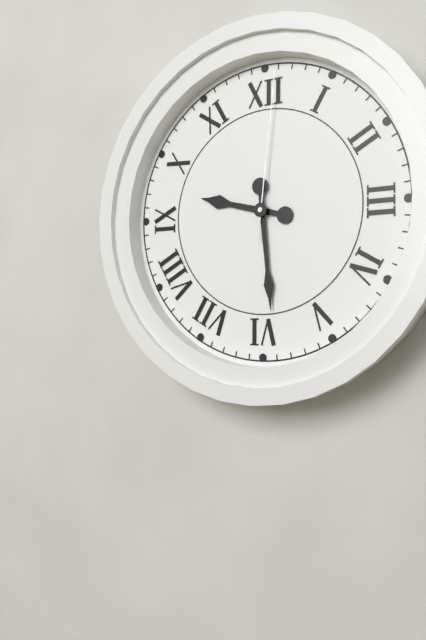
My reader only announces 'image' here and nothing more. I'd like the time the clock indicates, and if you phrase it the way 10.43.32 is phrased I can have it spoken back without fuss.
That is 9.29.01
